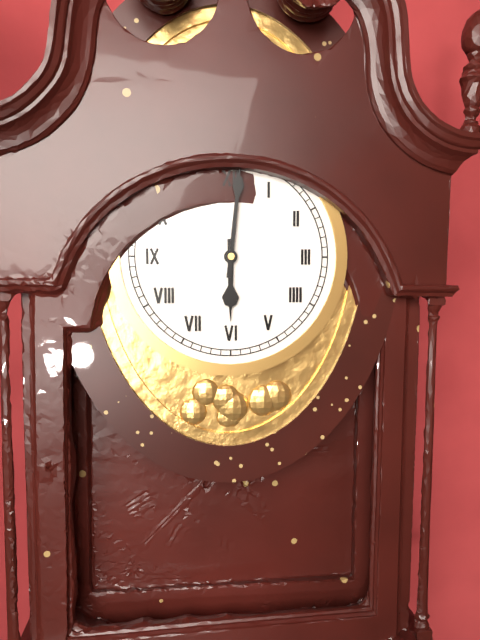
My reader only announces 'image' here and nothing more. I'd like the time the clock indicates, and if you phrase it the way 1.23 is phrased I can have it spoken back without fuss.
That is 6.01
